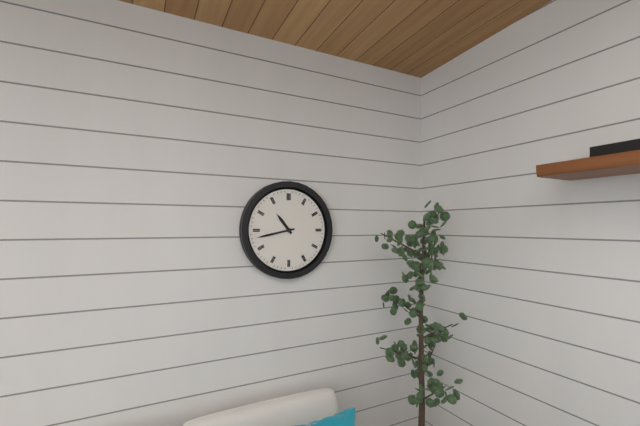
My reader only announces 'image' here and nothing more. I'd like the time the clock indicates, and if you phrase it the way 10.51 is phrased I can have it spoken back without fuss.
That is 10.43
